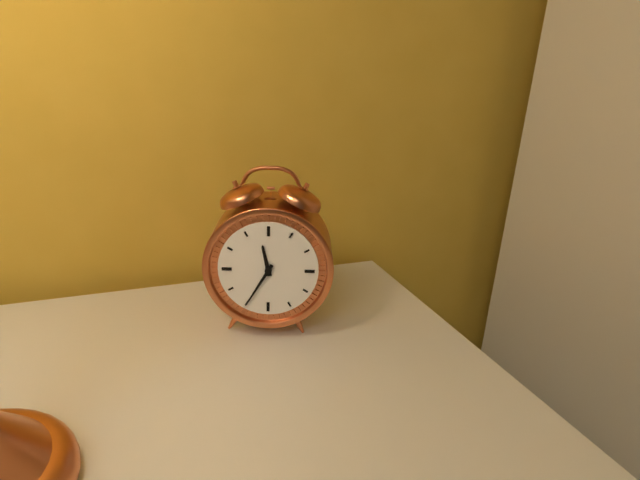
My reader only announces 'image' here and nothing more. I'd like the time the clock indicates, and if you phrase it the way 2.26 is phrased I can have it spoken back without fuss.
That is 11.35
